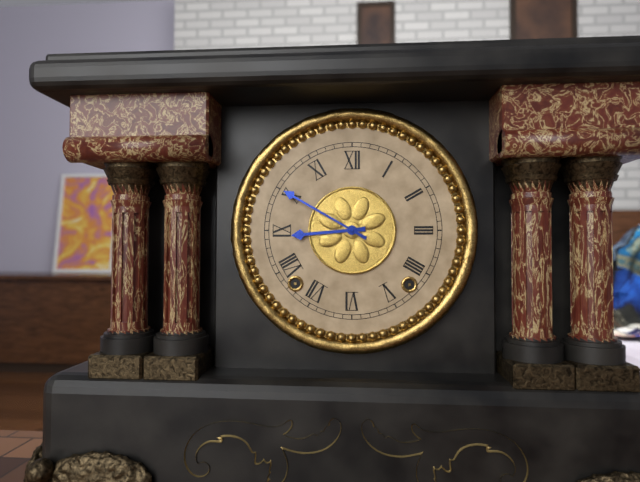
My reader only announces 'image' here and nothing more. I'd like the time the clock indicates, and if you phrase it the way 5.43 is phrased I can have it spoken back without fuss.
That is 8.50
